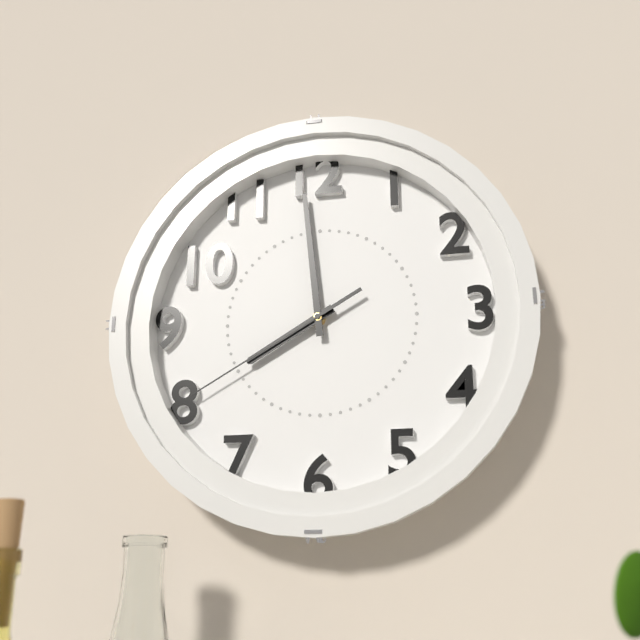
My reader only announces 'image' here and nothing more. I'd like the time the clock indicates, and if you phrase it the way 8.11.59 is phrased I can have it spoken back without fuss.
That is 7.59.40
